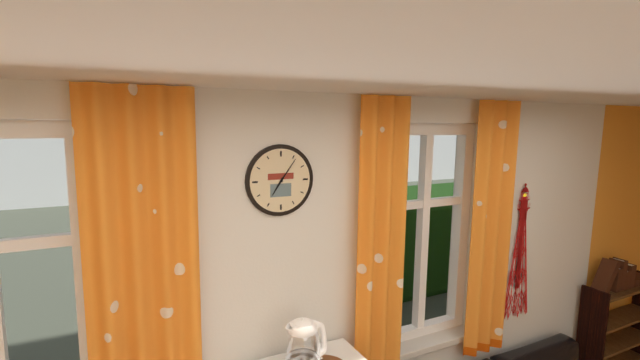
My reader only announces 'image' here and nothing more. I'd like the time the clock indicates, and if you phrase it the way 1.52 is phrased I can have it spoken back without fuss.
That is 7.06
